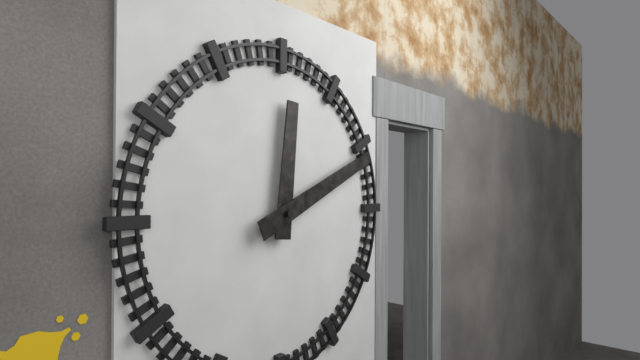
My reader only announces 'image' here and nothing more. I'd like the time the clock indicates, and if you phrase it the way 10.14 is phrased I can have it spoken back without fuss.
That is 12.11
